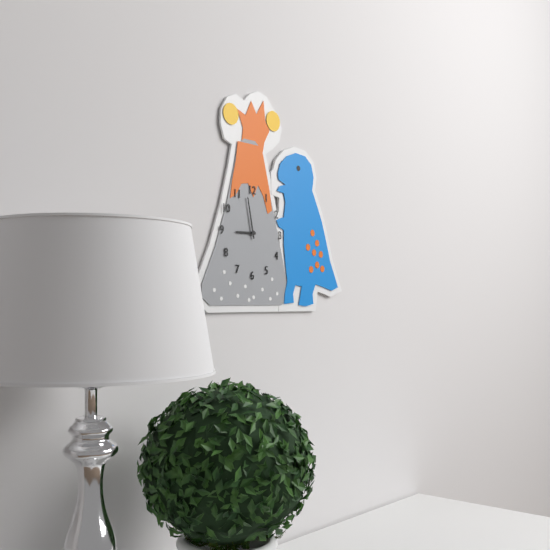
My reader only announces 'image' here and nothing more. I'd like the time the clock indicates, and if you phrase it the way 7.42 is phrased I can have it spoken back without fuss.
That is 8.58
